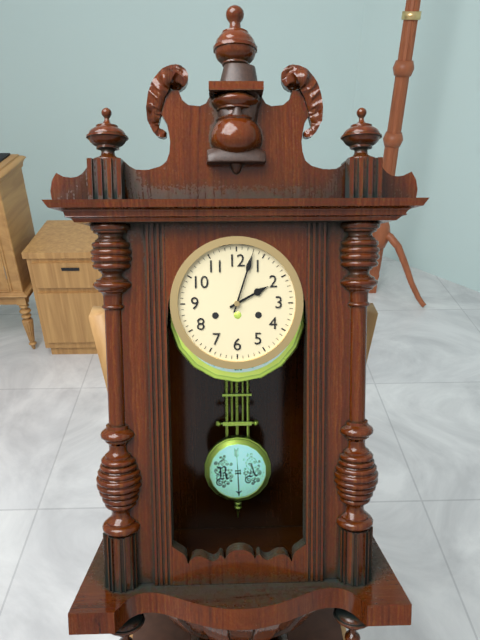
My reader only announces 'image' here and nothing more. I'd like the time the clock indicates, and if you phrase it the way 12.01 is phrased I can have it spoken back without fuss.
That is 2.03
